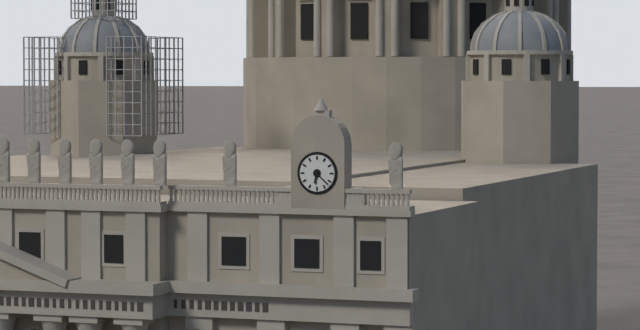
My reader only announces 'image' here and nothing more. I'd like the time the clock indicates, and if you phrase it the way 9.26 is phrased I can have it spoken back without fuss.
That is 6.22
